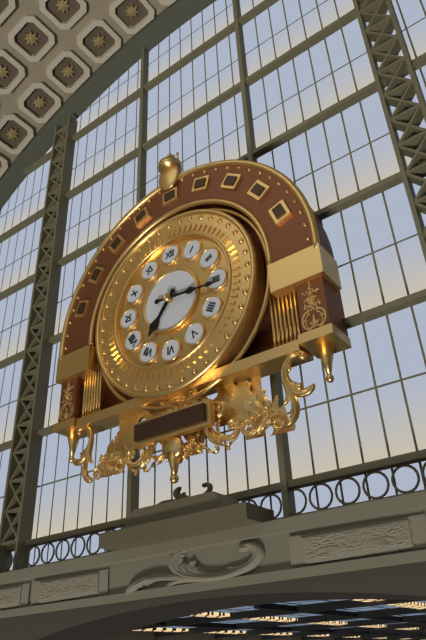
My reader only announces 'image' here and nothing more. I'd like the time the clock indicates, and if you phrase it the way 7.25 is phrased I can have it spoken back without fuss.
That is 7.16
